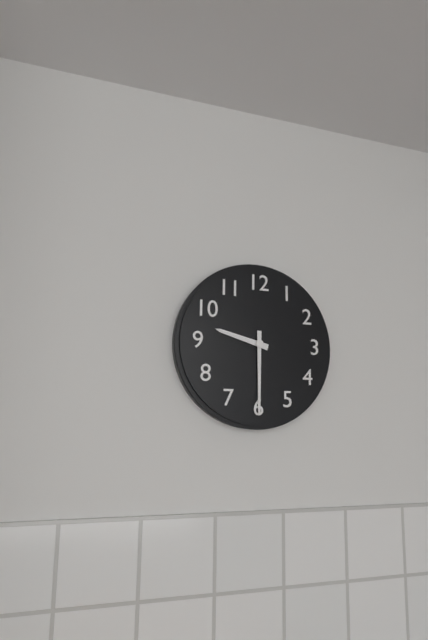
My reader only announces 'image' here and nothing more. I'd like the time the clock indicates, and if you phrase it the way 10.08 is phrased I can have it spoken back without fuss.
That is 9.30
